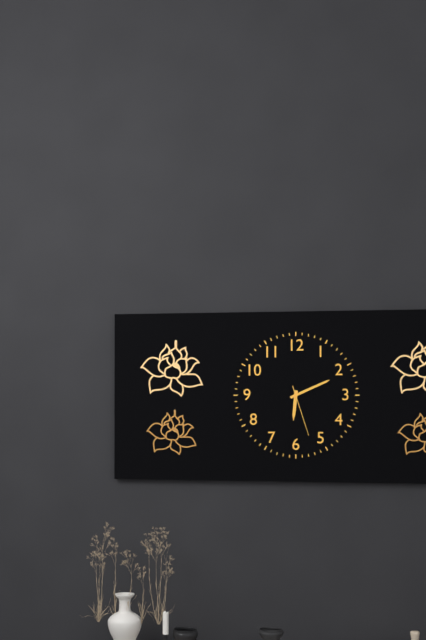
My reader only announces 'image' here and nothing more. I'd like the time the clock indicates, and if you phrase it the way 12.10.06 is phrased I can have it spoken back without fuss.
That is 6.11.27
